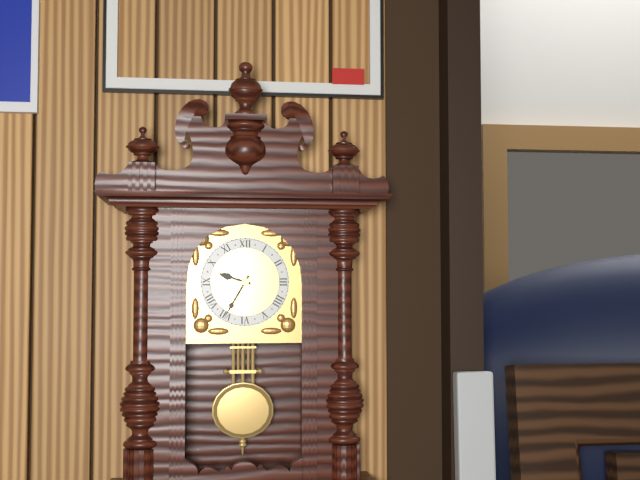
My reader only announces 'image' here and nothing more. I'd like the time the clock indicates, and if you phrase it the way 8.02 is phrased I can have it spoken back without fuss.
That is 9.35
